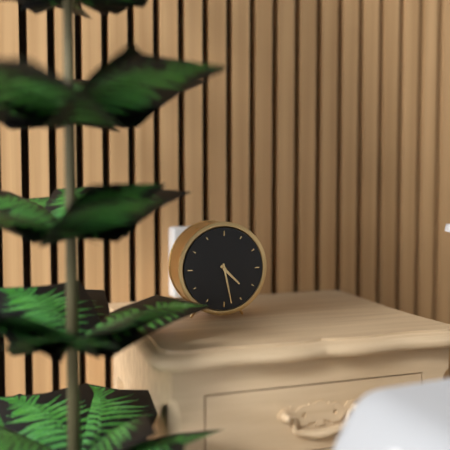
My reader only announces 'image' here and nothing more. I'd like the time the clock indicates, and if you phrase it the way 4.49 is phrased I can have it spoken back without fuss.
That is 4.28
